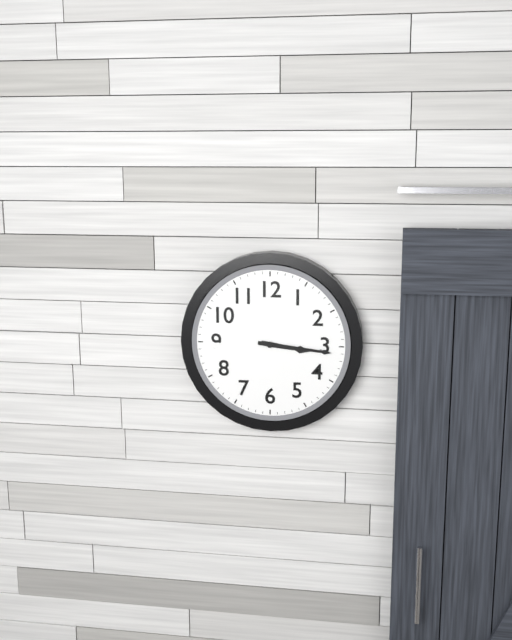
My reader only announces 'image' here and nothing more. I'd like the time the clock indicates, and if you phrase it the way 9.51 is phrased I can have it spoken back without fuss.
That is 3.16
